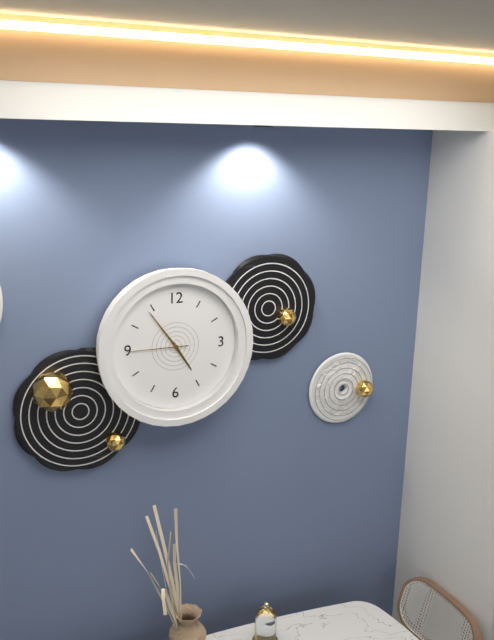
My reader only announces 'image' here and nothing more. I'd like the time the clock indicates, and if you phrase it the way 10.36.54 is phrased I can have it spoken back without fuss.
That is 4.54.45
